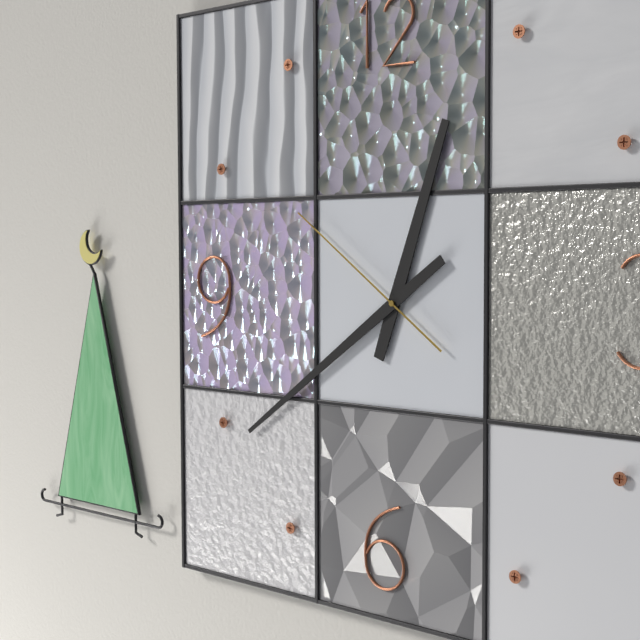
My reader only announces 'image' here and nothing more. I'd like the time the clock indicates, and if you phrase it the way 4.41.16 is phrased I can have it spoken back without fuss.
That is 12.39.51
